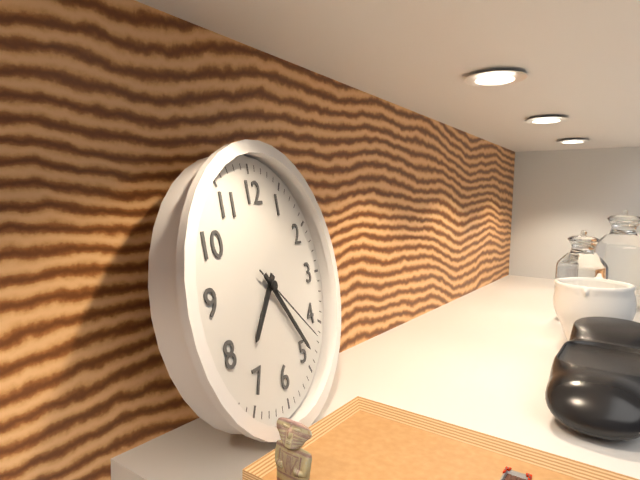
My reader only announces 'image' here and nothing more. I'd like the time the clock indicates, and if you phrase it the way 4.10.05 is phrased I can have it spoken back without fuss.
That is 7.24.22
